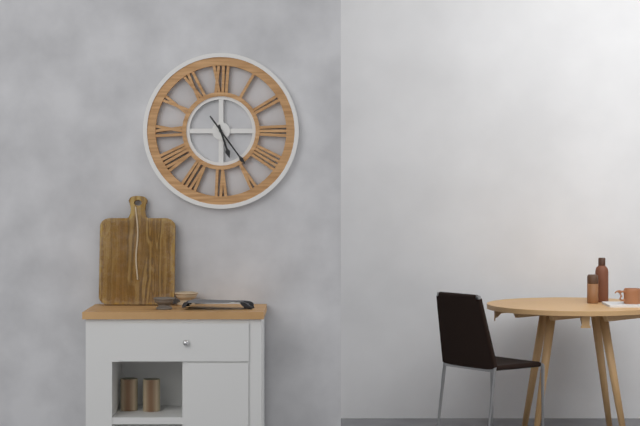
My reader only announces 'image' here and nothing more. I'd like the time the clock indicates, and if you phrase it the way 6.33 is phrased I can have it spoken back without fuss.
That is 5.24
